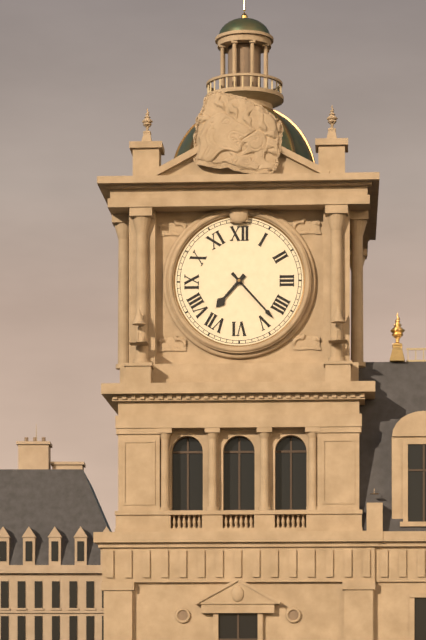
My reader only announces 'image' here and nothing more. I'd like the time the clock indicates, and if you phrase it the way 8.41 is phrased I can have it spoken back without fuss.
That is 7.23
